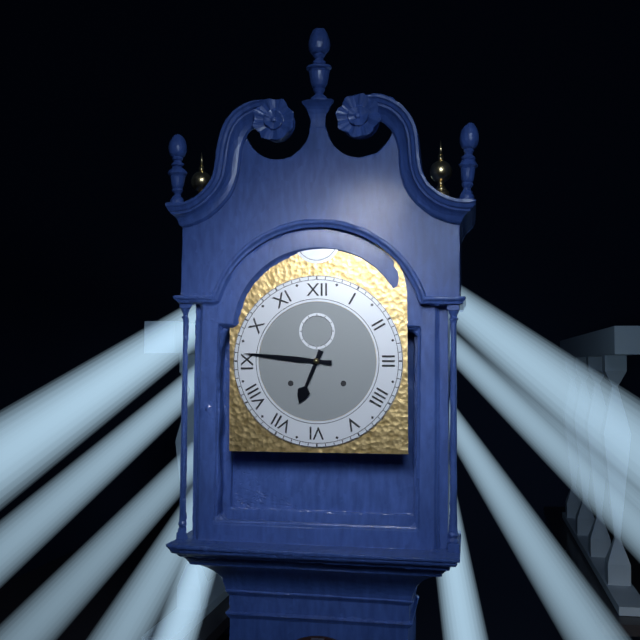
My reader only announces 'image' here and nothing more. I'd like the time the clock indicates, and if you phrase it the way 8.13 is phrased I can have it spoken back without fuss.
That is 6.46
